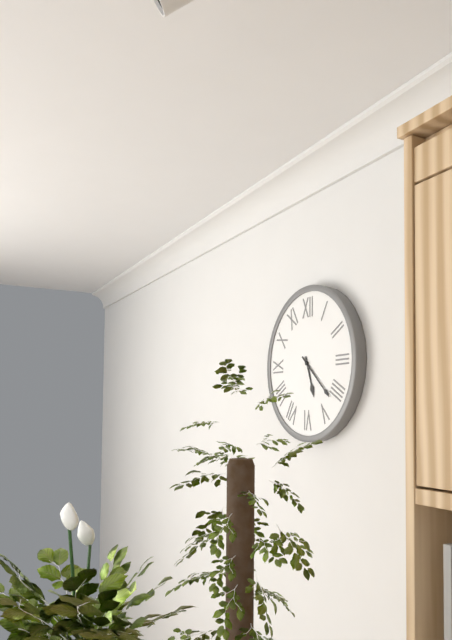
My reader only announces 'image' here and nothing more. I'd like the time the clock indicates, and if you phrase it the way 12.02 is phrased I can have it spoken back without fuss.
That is 5.22
